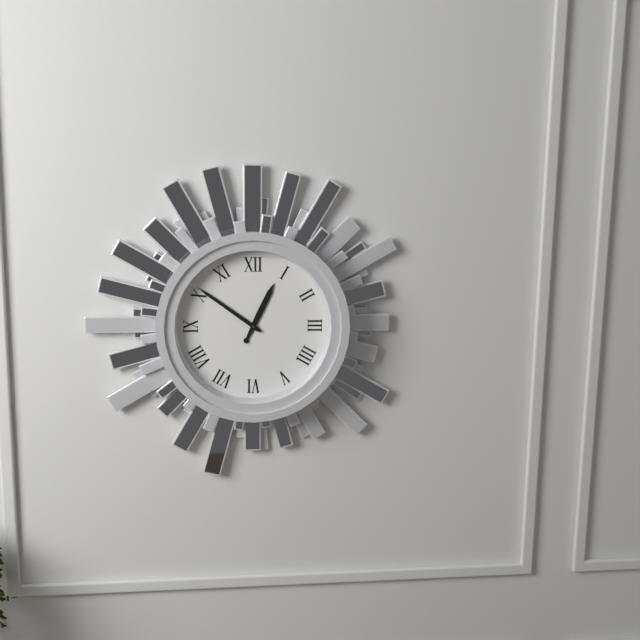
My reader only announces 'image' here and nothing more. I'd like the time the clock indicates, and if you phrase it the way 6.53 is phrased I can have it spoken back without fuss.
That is 12.51
